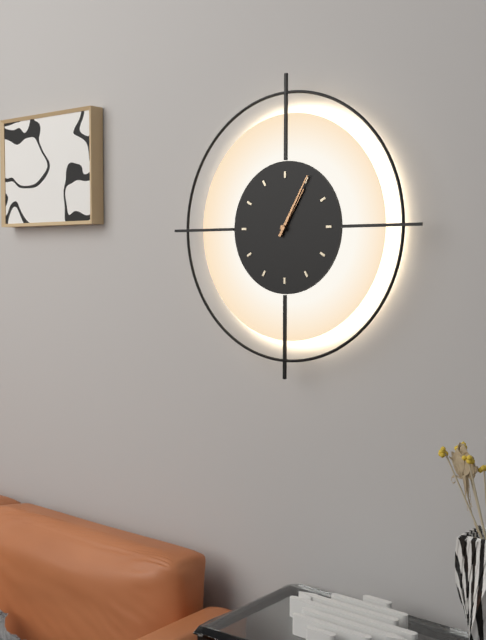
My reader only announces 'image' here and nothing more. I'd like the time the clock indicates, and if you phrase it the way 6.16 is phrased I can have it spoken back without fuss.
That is 1.05
